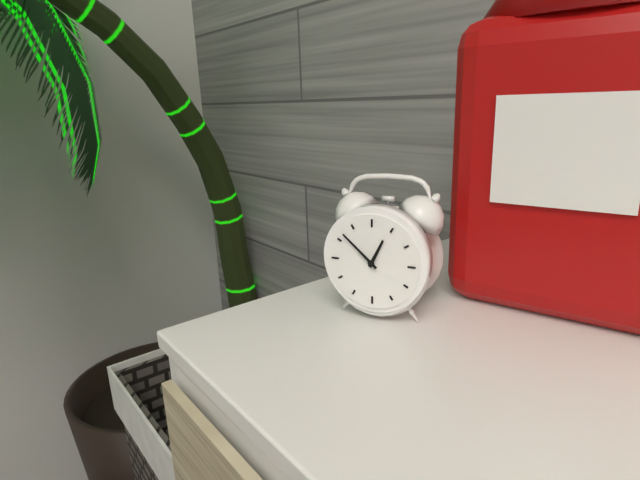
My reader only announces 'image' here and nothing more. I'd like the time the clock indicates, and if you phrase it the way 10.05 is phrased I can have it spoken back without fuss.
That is 12.52
